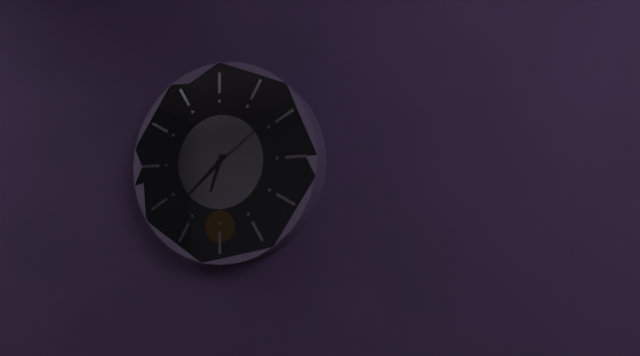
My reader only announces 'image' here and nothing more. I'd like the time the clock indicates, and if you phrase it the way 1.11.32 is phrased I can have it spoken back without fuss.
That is 6.38.09
